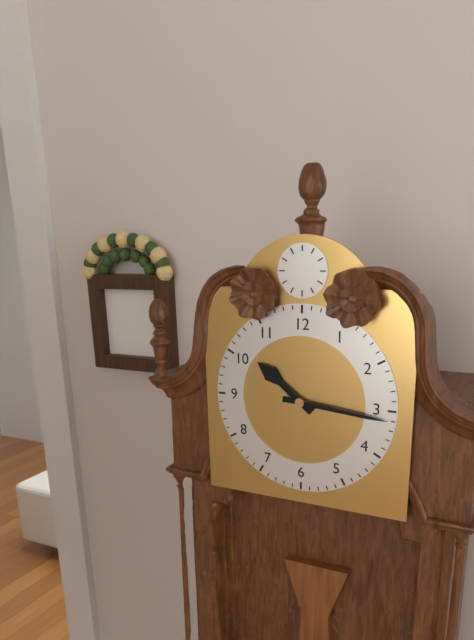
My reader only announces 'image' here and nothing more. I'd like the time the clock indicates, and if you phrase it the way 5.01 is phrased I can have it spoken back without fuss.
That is 10.16
